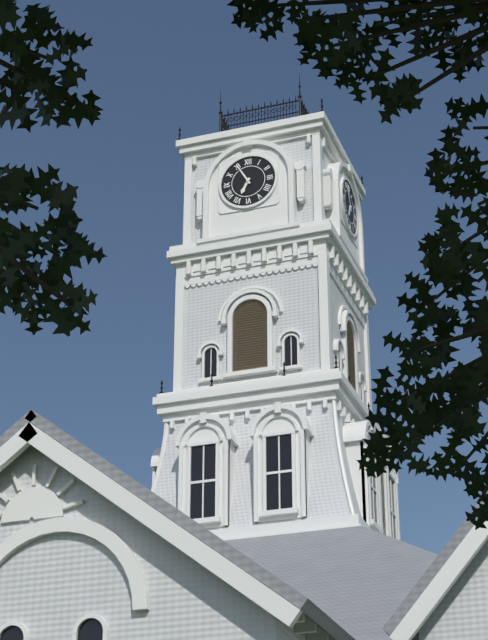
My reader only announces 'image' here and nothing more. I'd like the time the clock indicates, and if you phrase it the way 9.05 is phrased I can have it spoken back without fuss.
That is 6.55
